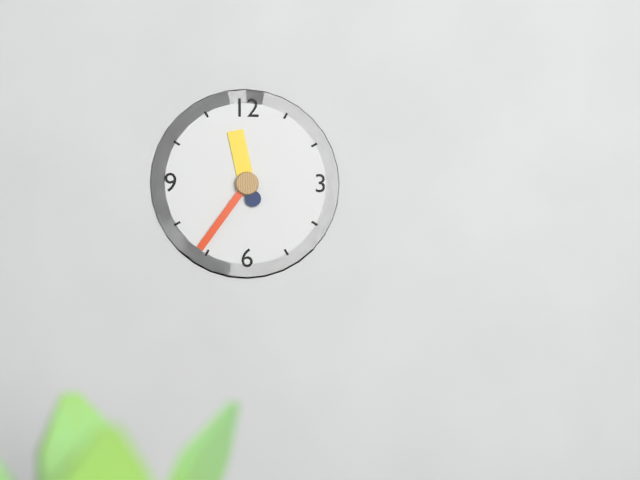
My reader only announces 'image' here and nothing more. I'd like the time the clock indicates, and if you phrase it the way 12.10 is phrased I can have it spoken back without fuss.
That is 11.36
